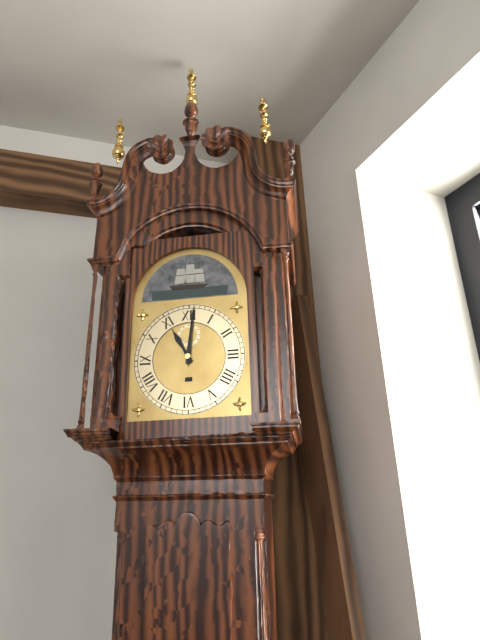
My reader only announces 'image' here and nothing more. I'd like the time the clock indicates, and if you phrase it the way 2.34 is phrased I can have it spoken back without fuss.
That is 11.01
